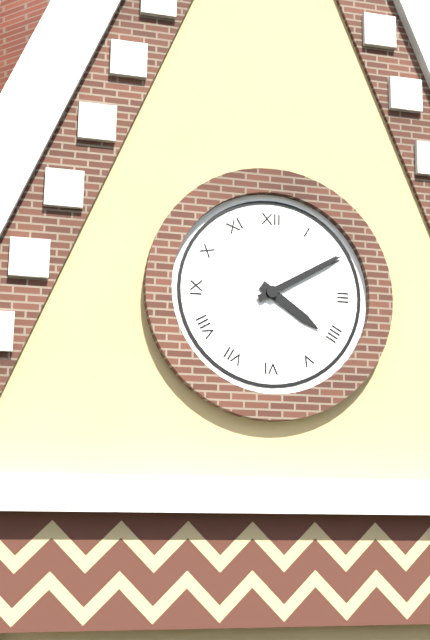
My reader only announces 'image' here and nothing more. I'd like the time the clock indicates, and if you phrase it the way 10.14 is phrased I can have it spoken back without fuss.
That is 4.10
